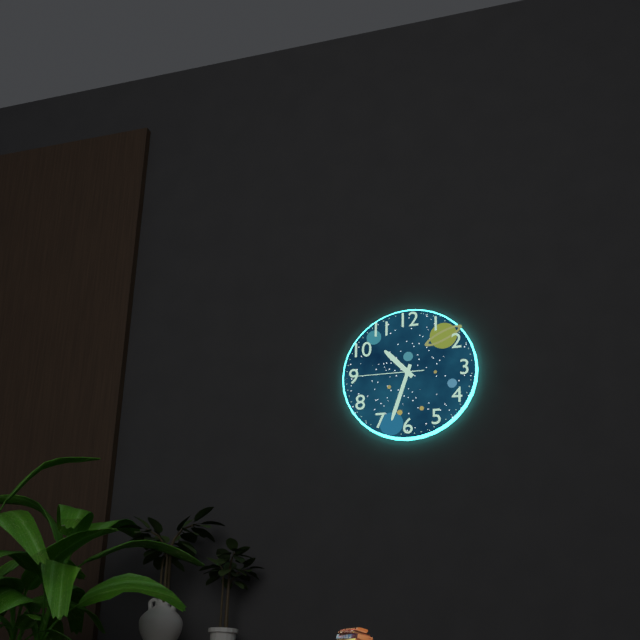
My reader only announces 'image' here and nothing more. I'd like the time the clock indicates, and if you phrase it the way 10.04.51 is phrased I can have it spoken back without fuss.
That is 10.33.45
